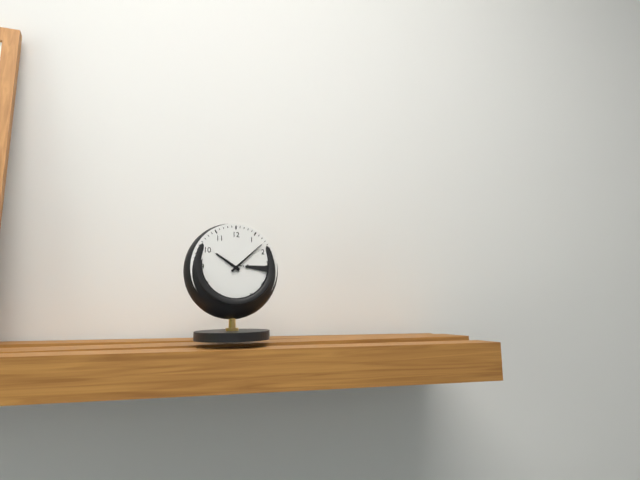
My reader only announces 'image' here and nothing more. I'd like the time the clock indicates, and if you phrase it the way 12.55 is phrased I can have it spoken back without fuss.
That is 10.08
